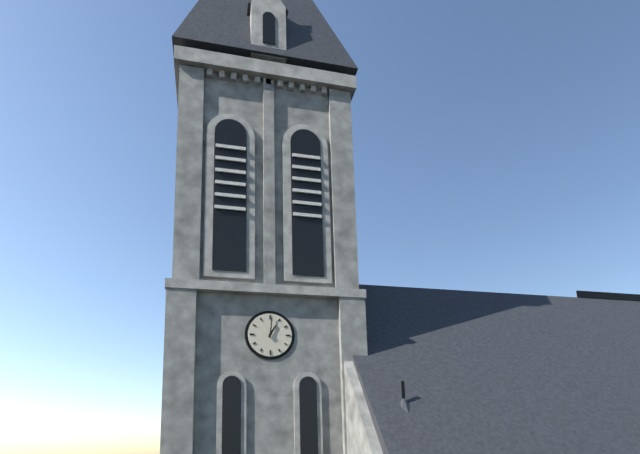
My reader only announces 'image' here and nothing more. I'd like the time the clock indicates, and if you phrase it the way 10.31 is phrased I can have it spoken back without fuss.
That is 1.01
